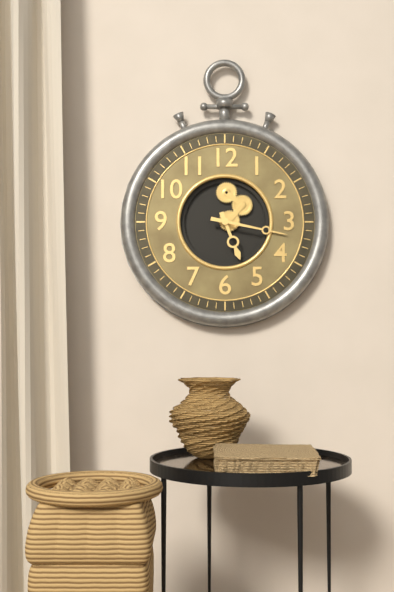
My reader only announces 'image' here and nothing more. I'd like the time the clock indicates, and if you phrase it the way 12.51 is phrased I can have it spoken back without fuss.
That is 5.17
